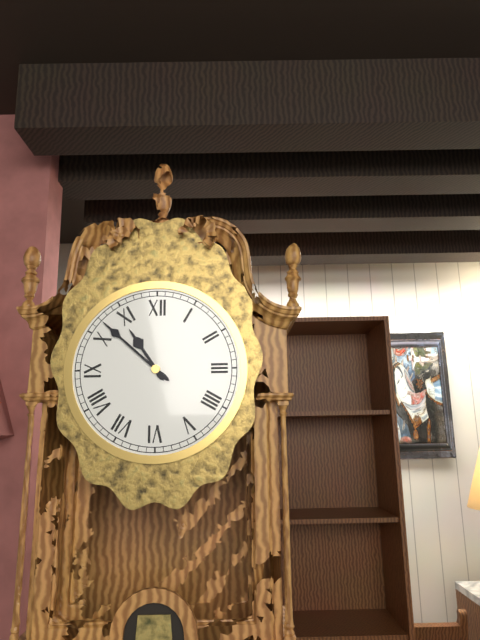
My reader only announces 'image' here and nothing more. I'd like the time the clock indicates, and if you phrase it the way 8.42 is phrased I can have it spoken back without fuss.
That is 10.52
